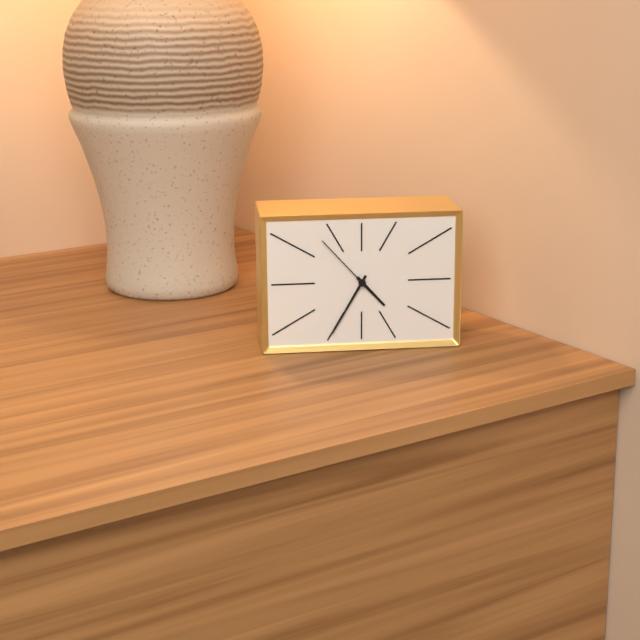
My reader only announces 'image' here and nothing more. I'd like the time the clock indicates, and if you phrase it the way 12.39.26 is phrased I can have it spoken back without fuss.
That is 4.35.53
